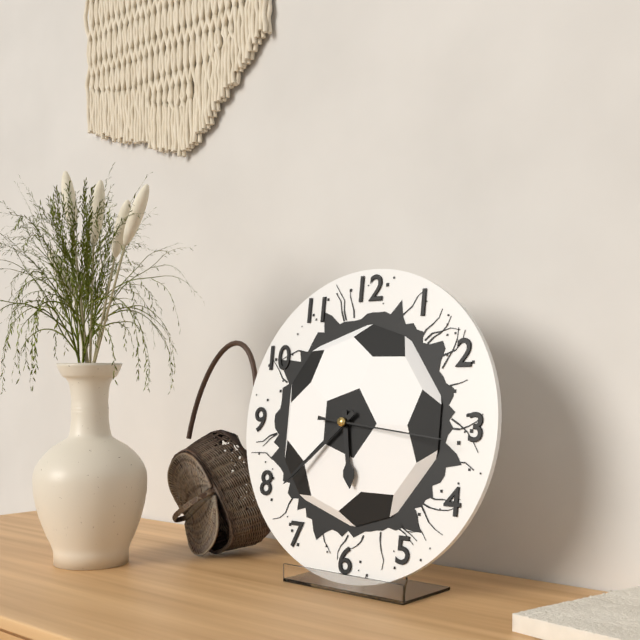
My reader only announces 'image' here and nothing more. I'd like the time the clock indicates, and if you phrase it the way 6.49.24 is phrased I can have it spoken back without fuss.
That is 5.38.16
